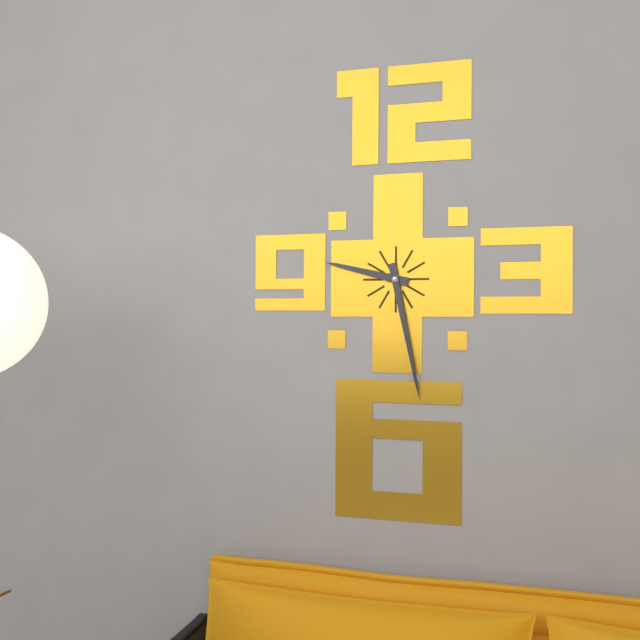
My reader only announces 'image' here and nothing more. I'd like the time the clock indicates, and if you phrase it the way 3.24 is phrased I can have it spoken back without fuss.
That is 9.28
